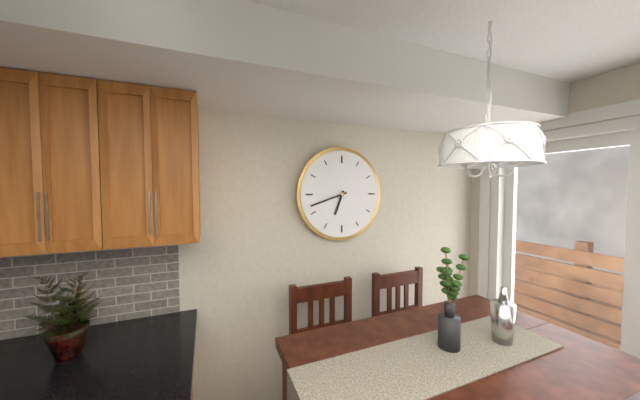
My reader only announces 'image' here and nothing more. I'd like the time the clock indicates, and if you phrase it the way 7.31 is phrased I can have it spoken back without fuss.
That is 6.42
